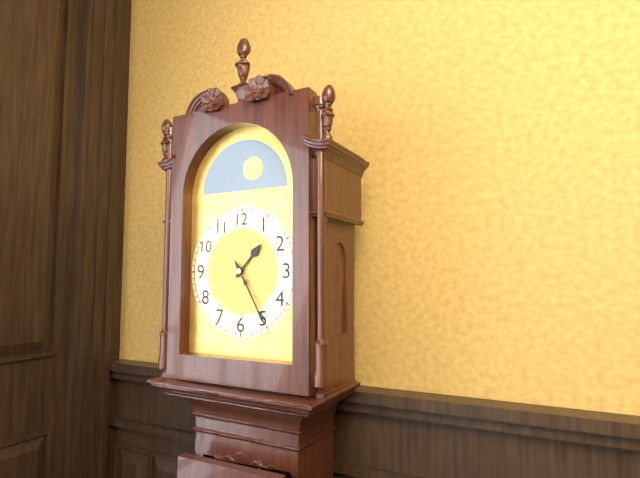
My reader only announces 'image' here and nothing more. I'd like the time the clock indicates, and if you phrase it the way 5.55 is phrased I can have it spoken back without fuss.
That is 1.25
